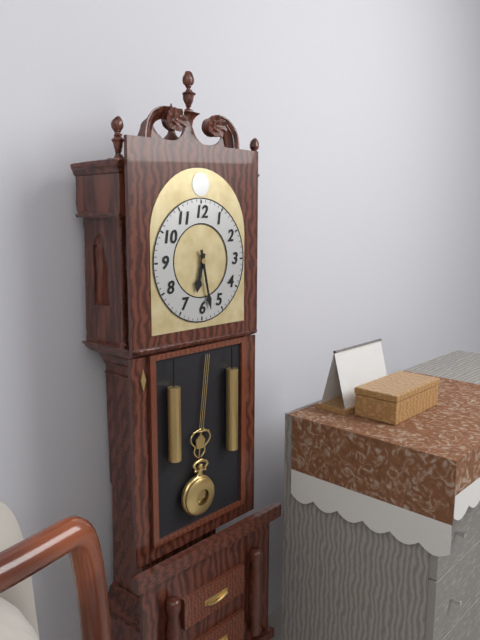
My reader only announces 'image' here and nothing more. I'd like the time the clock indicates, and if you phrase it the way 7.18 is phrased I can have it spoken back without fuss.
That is 6.28
